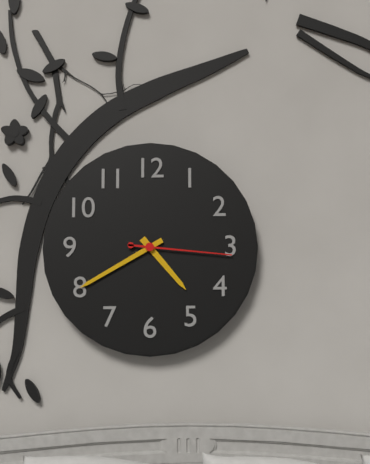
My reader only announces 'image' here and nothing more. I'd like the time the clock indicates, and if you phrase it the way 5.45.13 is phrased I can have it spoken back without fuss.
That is 4.40.16
